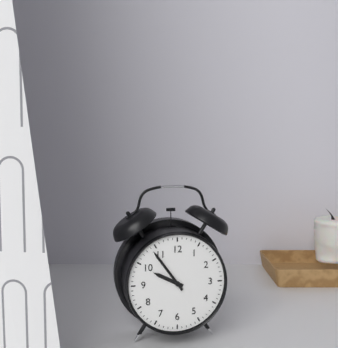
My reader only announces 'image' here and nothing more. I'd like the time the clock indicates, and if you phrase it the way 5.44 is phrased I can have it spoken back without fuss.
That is 9.54
